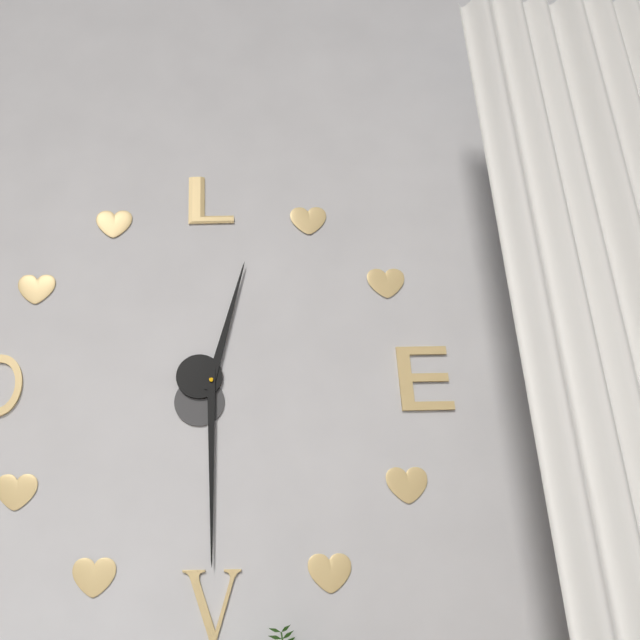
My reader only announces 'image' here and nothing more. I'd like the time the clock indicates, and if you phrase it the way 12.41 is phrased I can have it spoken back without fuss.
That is 12.30
